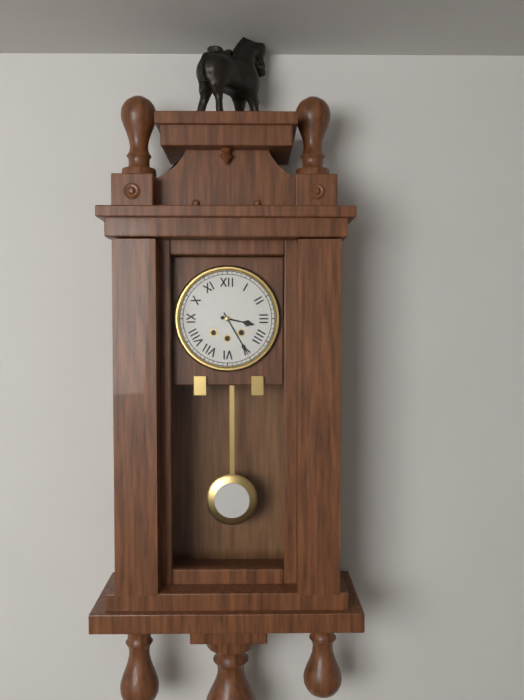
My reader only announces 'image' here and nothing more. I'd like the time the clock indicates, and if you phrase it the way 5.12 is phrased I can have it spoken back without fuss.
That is 3.25
